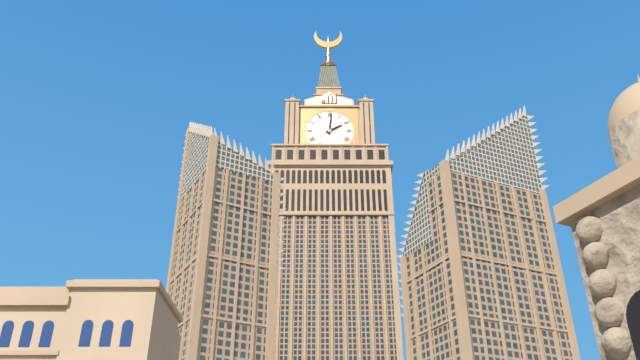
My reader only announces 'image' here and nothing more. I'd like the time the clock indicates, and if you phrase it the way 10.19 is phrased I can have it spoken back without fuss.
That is 2.01
